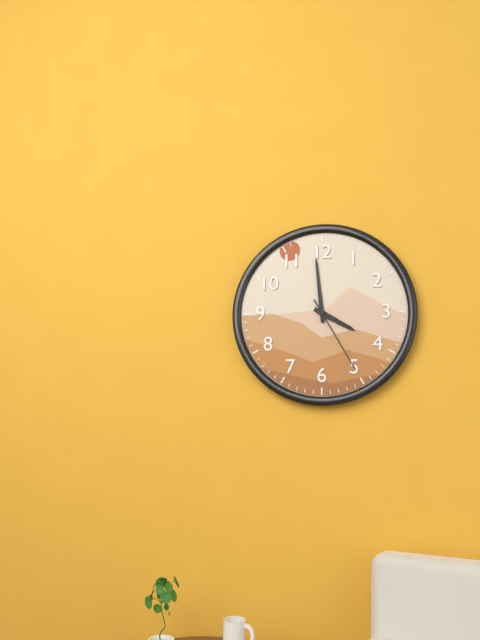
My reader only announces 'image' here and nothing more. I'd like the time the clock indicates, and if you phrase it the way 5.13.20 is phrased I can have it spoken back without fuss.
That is 3.59.25
